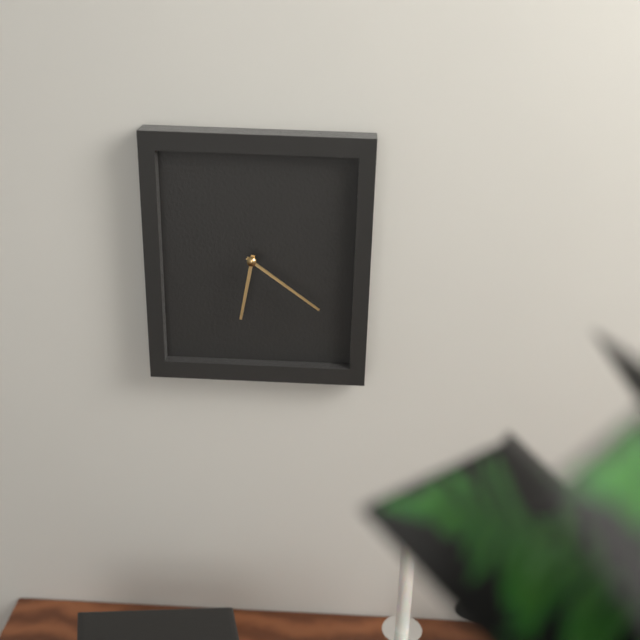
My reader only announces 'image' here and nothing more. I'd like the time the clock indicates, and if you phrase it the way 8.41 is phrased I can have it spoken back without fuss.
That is 6.21
